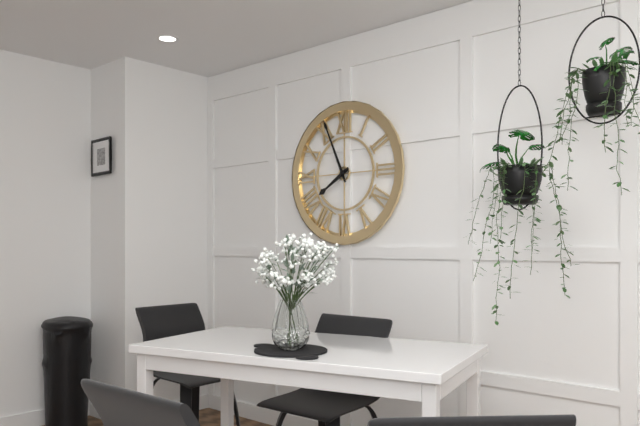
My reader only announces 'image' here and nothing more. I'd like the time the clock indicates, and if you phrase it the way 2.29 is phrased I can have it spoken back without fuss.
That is 7.56
